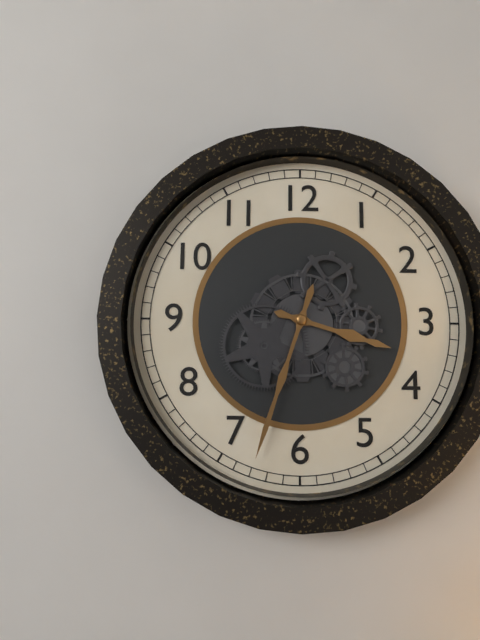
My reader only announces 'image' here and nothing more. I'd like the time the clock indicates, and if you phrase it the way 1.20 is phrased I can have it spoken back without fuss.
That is 3.33
